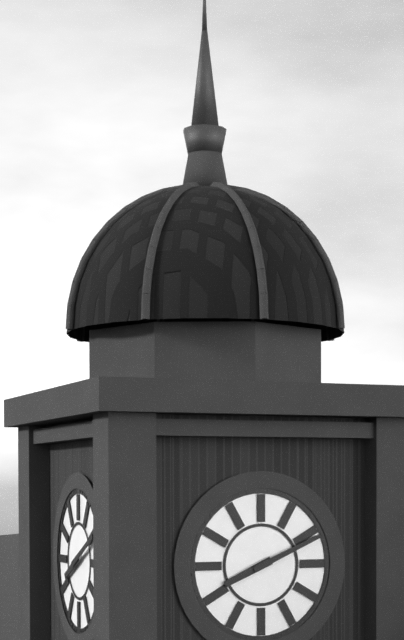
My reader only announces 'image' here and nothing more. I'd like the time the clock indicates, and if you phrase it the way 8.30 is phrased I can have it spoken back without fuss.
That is 8.11
